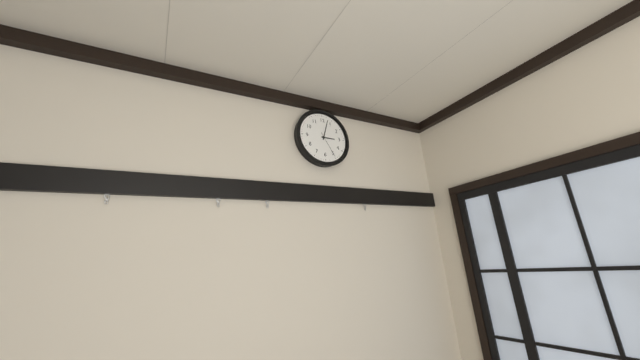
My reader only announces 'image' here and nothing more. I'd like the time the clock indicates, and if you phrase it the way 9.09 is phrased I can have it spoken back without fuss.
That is 3.03
